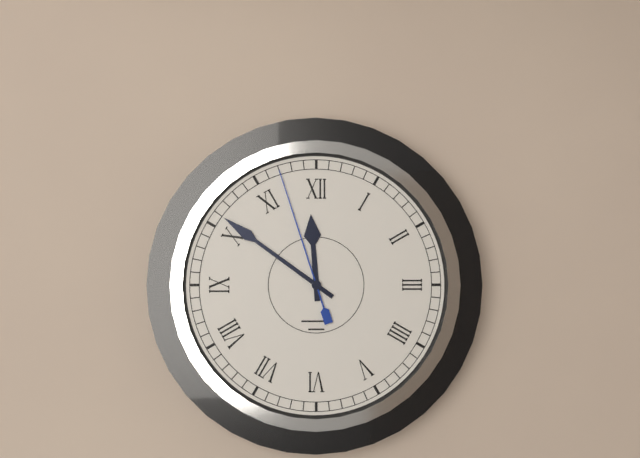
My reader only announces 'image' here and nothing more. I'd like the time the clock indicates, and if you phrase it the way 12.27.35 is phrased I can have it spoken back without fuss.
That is 11.51.57
